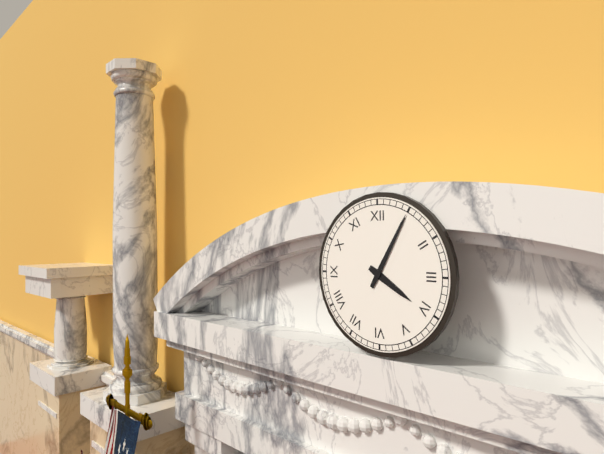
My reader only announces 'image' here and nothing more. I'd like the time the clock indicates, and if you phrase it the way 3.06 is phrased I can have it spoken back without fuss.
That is 4.05
